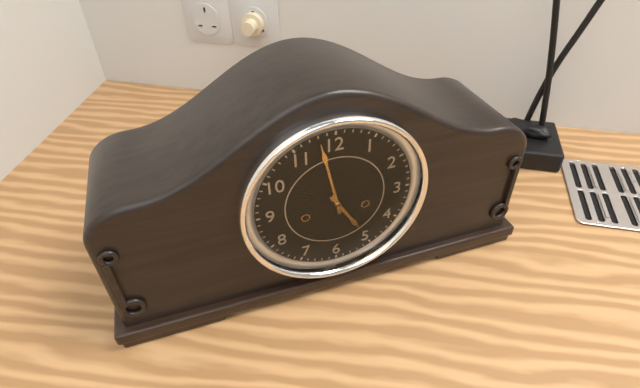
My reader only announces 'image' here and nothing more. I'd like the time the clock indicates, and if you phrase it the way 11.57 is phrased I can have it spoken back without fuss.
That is 4.58
